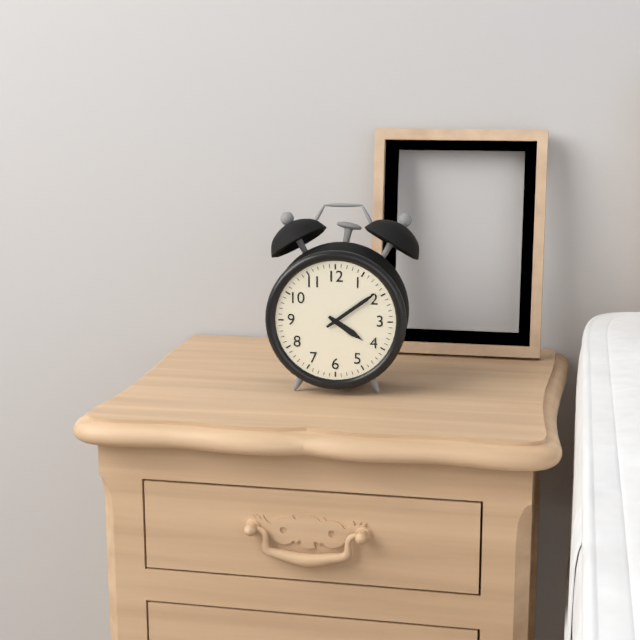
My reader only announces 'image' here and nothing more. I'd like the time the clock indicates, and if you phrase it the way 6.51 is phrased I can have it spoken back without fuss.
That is 4.09
